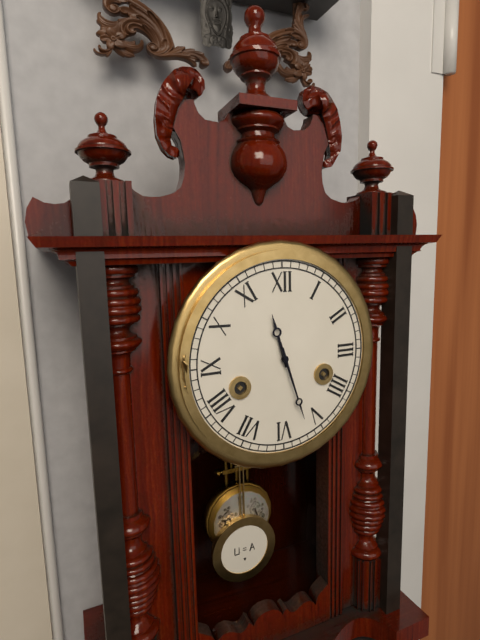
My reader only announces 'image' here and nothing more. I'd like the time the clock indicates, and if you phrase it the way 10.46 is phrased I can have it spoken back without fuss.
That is 11.27
